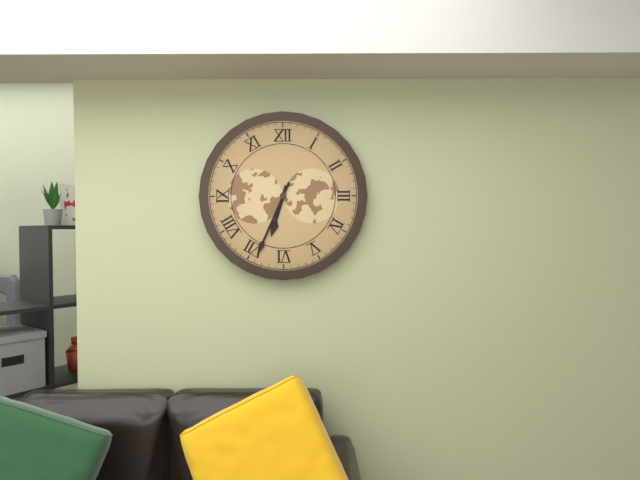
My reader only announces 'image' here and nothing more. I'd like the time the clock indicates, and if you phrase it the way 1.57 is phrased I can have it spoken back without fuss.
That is 6.34
